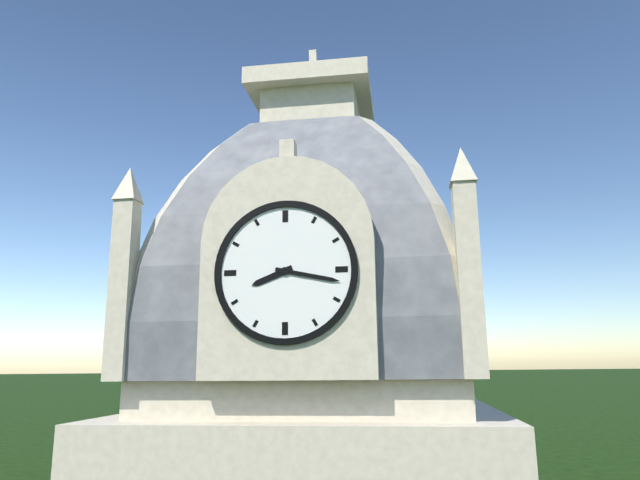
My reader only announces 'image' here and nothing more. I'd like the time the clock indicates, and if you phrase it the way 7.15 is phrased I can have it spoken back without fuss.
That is 8.17
